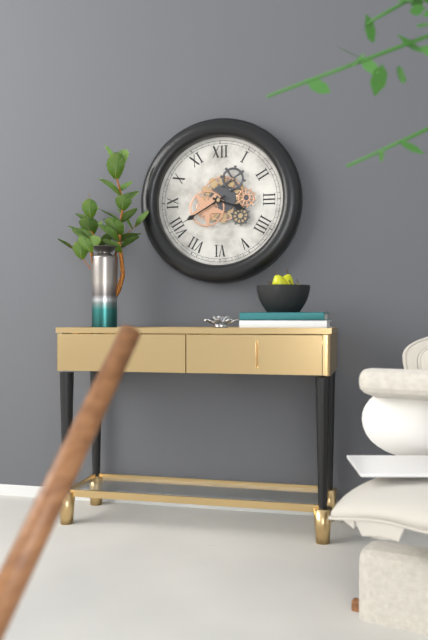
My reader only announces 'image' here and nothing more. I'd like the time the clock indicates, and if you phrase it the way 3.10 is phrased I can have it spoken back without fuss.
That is 3.40
